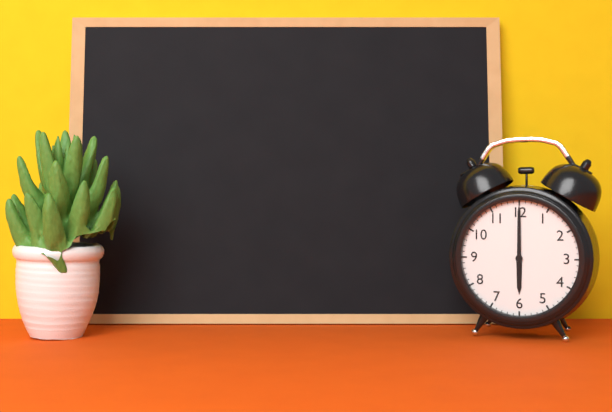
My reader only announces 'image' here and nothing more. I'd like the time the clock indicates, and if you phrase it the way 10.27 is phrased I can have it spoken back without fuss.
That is 6.00
